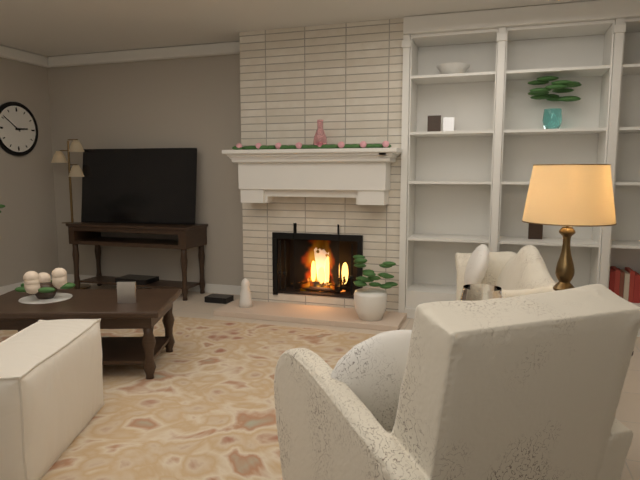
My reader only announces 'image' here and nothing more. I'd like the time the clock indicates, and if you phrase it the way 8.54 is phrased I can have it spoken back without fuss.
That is 2.51
